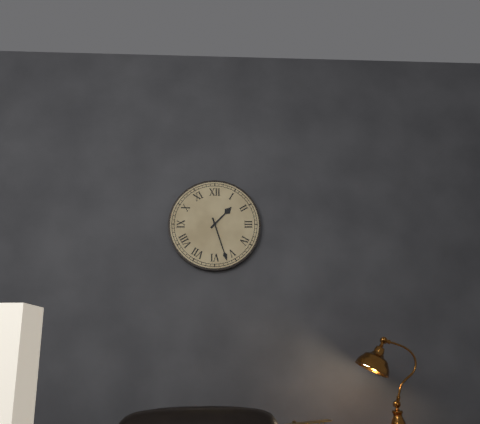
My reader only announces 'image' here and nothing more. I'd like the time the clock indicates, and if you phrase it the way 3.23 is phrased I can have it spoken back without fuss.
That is 1.27
